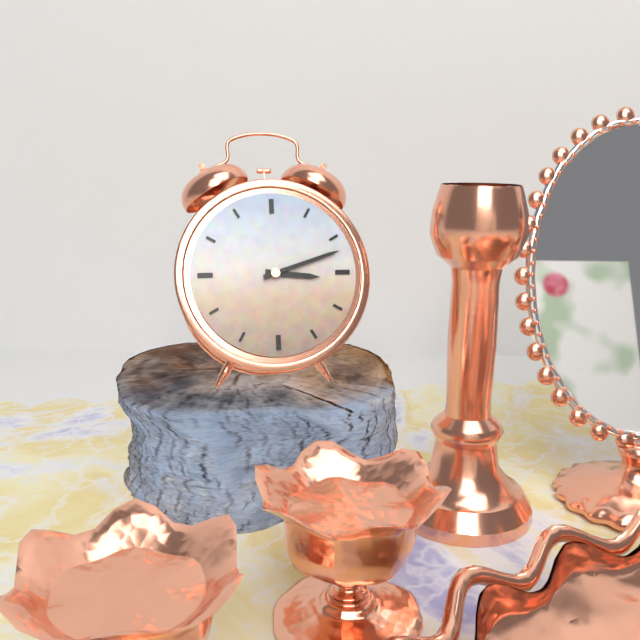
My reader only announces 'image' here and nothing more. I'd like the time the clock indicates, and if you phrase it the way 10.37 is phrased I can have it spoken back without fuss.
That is 3.12
